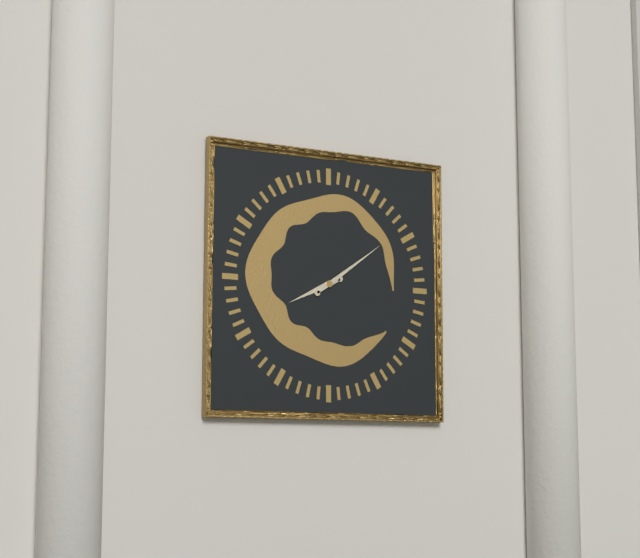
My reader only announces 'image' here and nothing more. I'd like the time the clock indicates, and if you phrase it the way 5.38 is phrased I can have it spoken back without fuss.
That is 8.09
